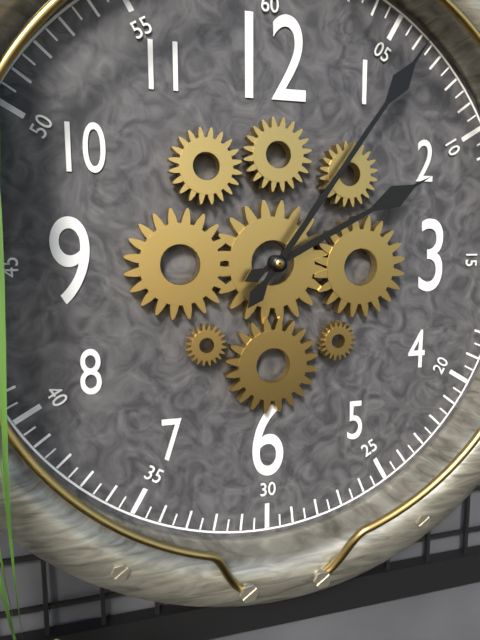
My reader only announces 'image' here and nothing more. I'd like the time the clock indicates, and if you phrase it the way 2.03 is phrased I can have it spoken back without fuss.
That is 2.06
